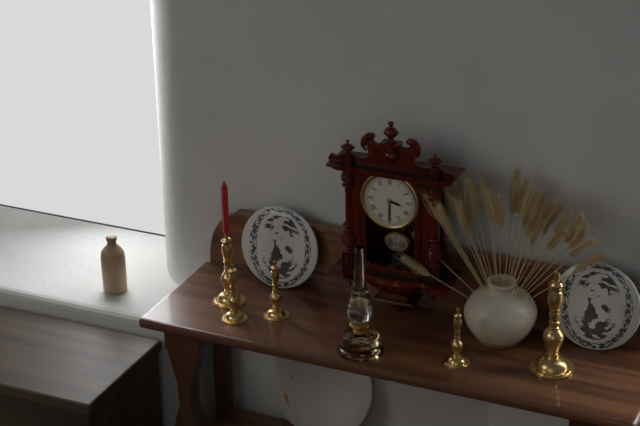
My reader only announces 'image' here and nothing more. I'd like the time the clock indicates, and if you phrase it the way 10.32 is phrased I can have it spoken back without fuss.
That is 3.30
